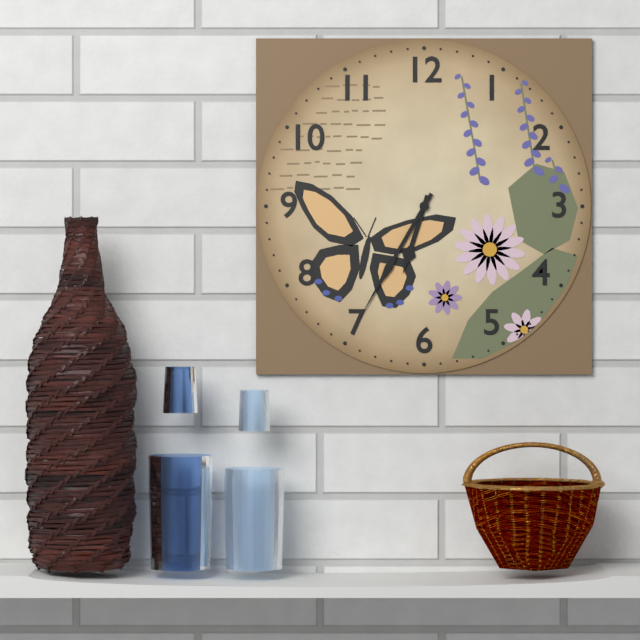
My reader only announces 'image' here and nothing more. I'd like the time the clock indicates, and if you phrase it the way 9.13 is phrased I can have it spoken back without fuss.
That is 6.35
